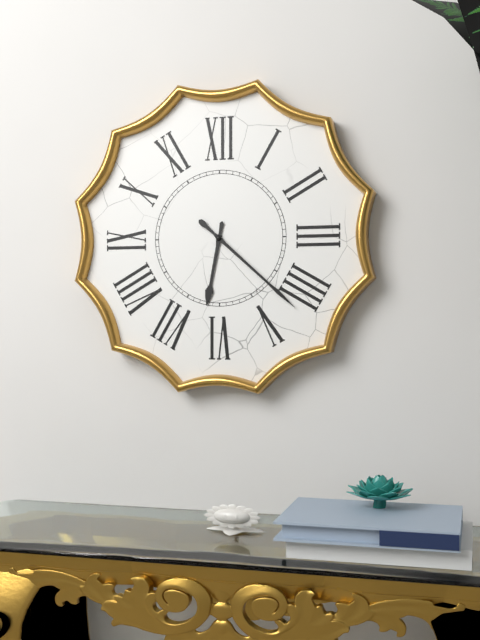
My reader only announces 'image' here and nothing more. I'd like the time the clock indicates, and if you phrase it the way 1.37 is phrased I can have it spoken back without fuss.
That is 6.22
